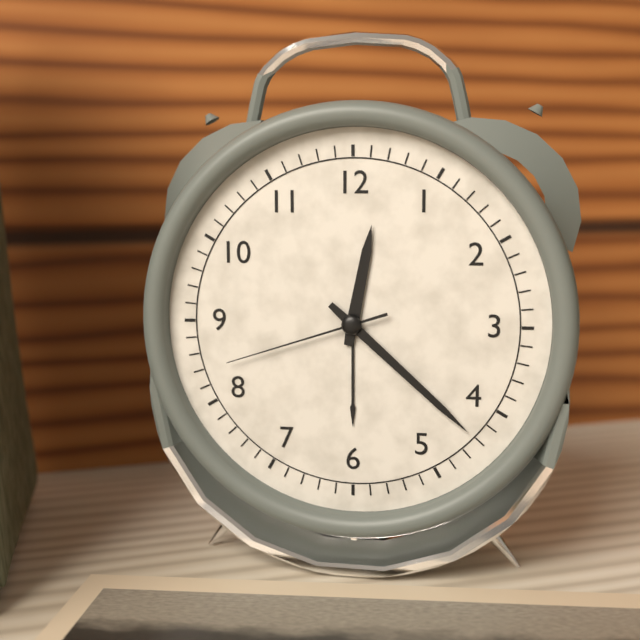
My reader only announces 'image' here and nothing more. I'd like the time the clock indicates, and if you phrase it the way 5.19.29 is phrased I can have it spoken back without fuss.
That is 12.22.42
